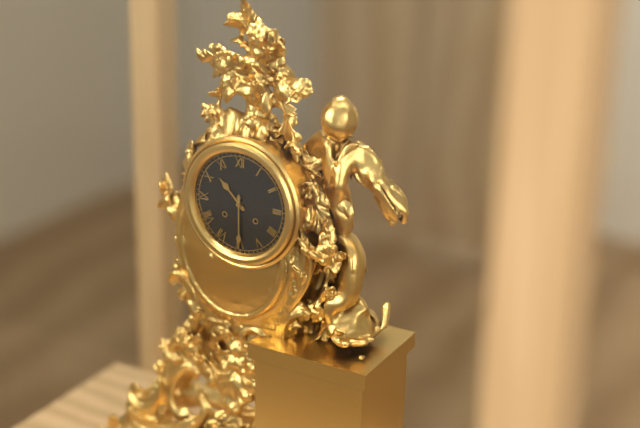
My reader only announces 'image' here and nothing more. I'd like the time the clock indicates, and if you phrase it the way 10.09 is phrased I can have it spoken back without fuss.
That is 10.30
